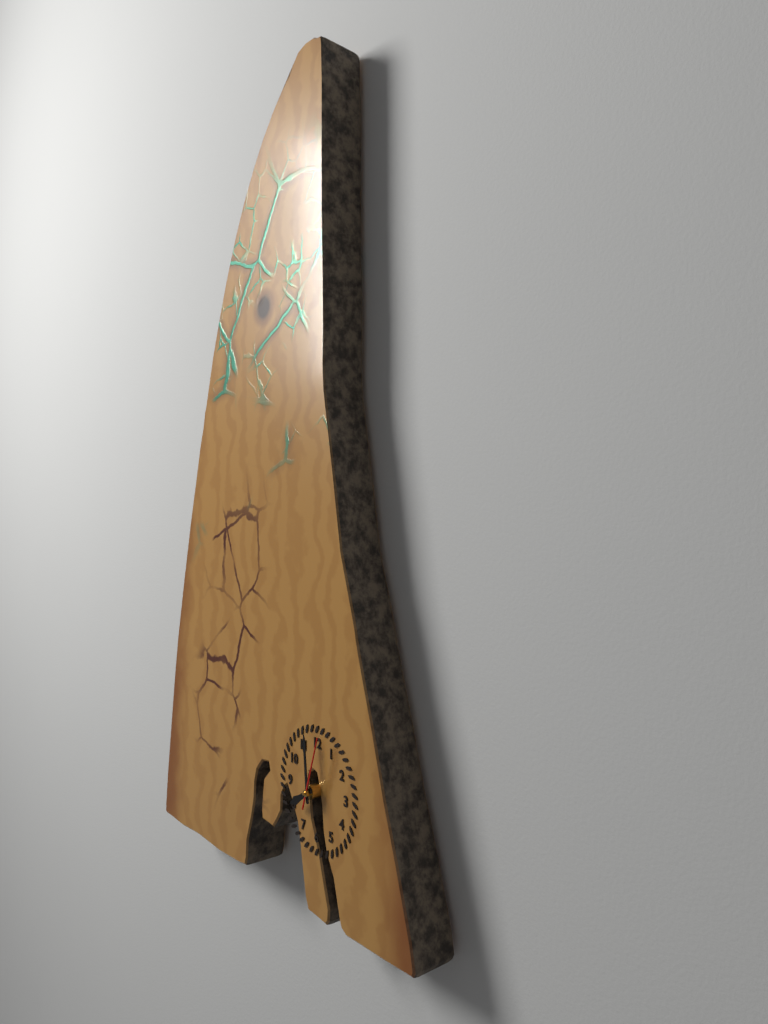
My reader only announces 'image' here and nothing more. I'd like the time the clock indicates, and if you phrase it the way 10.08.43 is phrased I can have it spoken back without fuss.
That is 7.59.03
